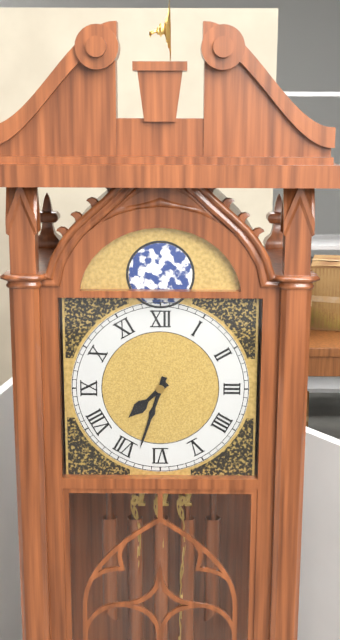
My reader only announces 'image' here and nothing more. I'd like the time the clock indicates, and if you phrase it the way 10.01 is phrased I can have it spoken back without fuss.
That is 7.33
